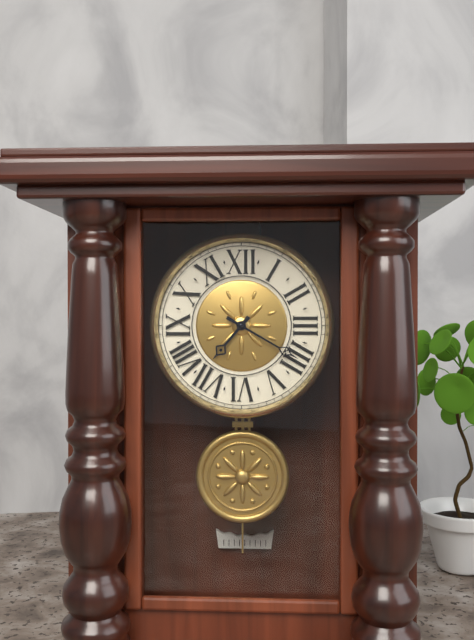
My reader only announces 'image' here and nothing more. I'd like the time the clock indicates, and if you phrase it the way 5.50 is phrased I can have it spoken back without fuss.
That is 7.20
